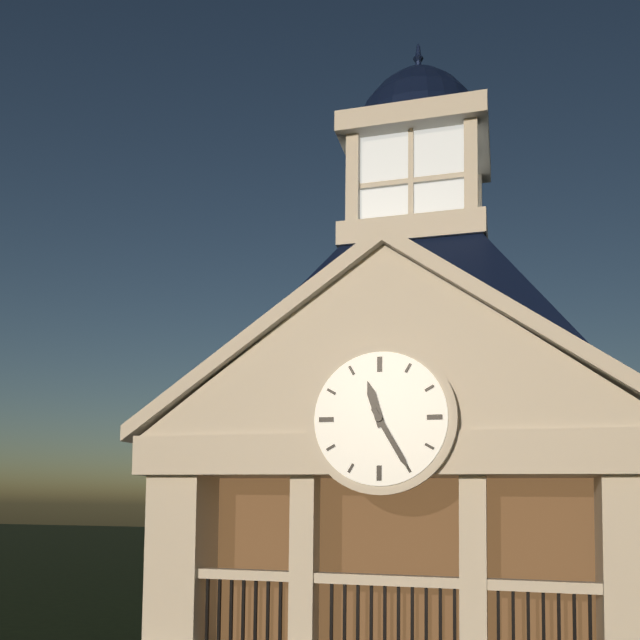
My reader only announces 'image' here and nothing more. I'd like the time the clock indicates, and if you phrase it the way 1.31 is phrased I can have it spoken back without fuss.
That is 11.25
